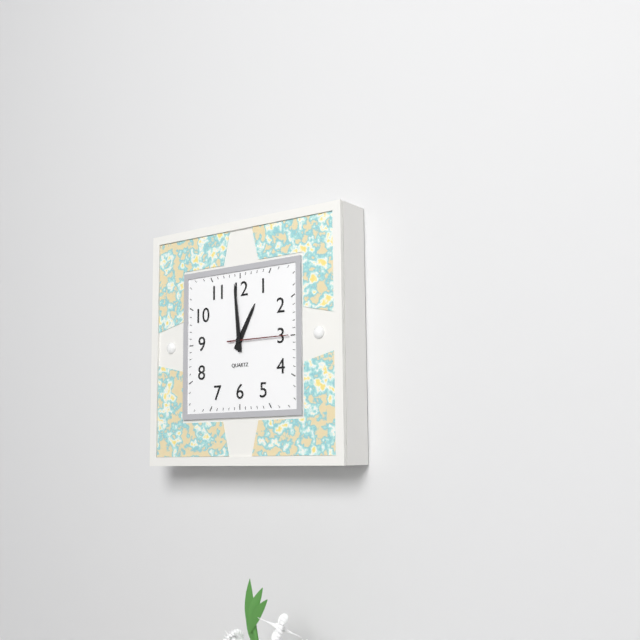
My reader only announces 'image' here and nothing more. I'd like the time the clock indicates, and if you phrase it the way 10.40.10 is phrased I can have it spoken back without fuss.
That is 12.59.15
